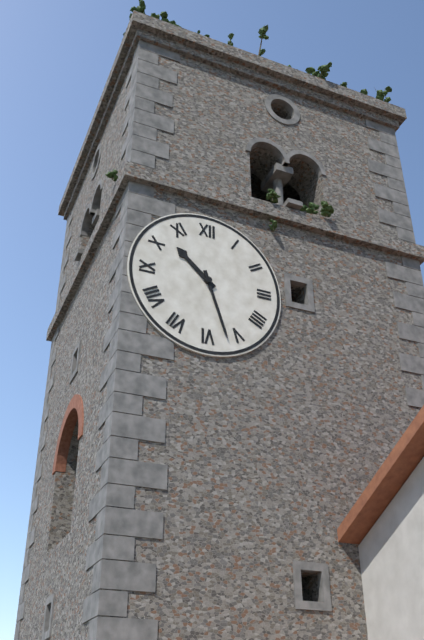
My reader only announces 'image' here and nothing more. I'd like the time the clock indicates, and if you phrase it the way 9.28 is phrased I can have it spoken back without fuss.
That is 10.27
